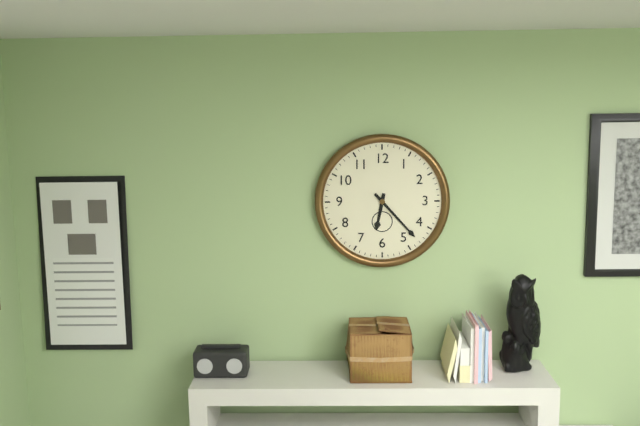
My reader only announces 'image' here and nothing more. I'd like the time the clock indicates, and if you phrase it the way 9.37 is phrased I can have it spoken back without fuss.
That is 6.23
